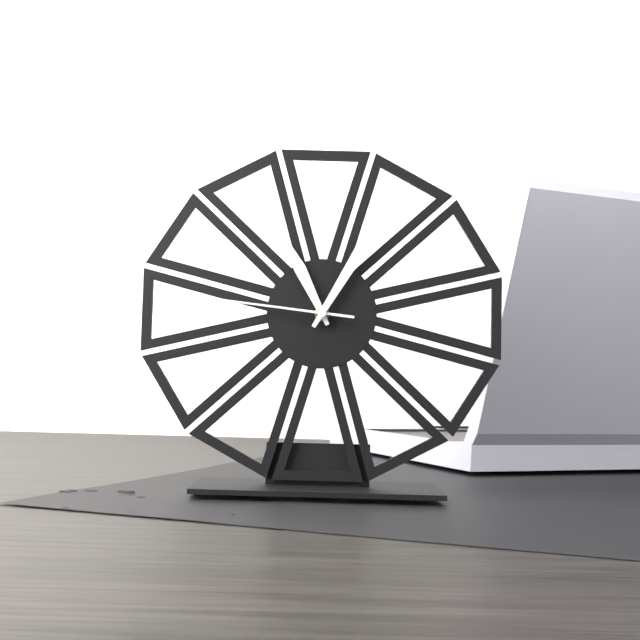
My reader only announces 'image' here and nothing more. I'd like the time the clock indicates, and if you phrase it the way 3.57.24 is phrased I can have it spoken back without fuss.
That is 11.05.46
